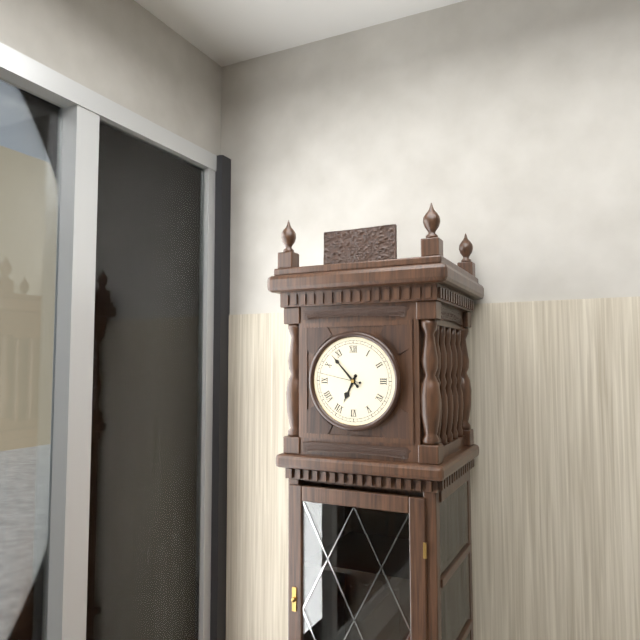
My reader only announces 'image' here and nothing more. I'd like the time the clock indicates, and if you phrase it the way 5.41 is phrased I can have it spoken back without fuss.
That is 6.53
